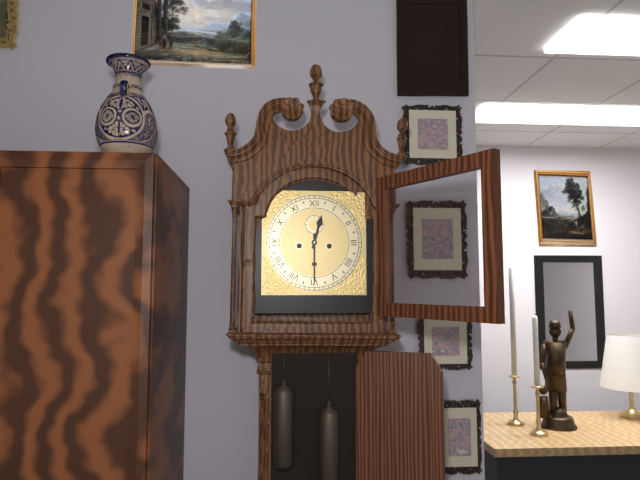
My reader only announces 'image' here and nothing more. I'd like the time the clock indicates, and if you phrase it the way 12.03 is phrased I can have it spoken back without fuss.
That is 12.30
